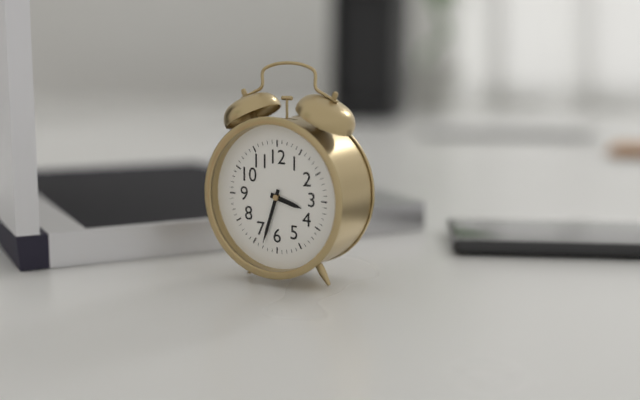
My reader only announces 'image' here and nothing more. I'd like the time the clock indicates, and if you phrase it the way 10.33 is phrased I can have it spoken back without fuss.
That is 3.33
